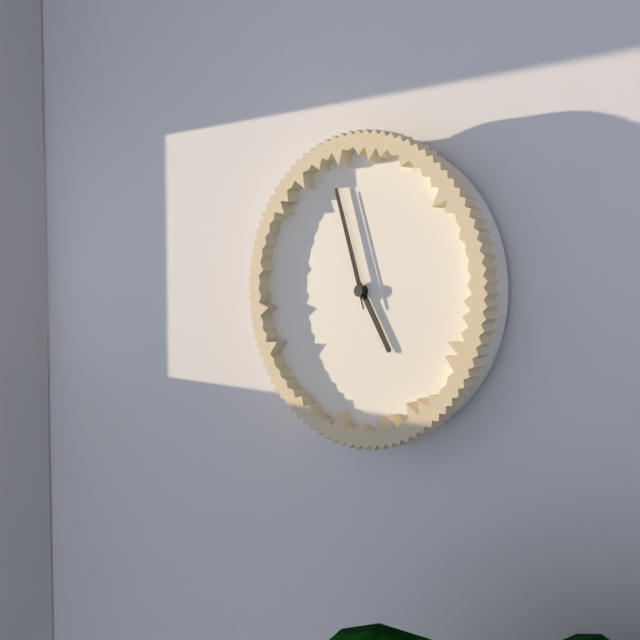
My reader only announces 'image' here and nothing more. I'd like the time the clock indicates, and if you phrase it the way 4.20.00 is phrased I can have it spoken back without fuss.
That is 4.57.57
